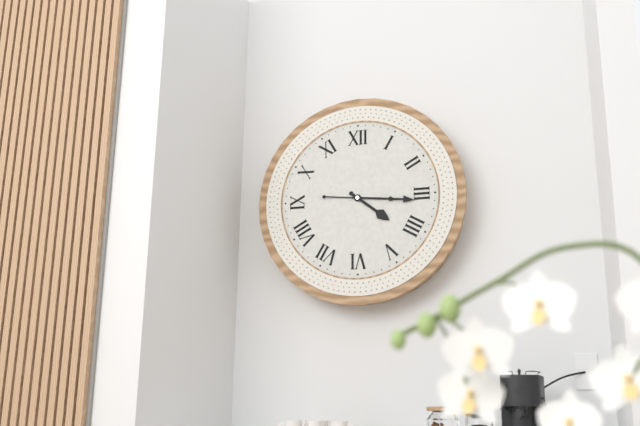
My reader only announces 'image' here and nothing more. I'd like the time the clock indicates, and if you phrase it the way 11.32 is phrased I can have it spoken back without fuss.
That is 4.16
